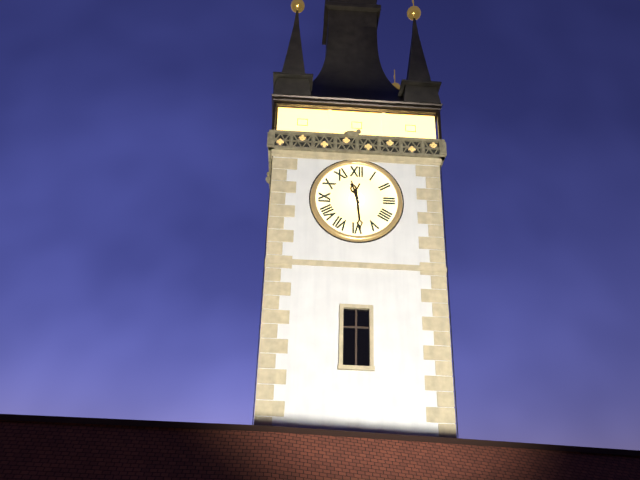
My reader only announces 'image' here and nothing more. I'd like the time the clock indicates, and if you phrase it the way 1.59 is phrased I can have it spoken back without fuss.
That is 11.29
